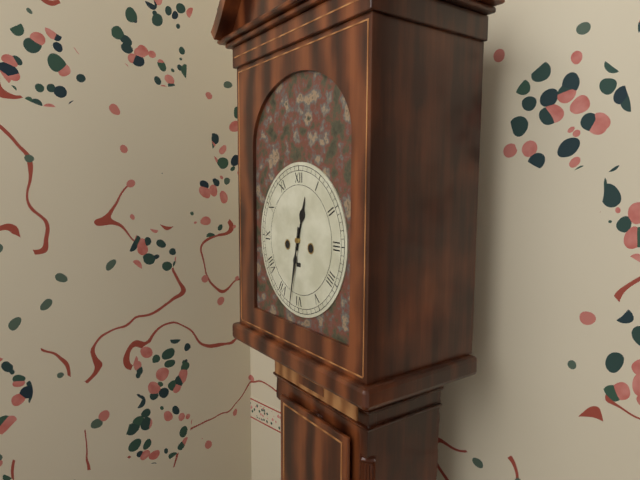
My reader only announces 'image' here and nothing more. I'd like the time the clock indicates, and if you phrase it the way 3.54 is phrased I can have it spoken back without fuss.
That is 12.32
